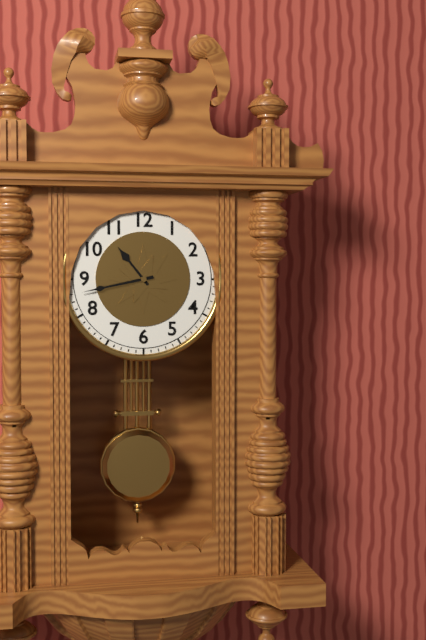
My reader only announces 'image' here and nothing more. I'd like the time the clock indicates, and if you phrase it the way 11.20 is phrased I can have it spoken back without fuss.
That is 10.43
